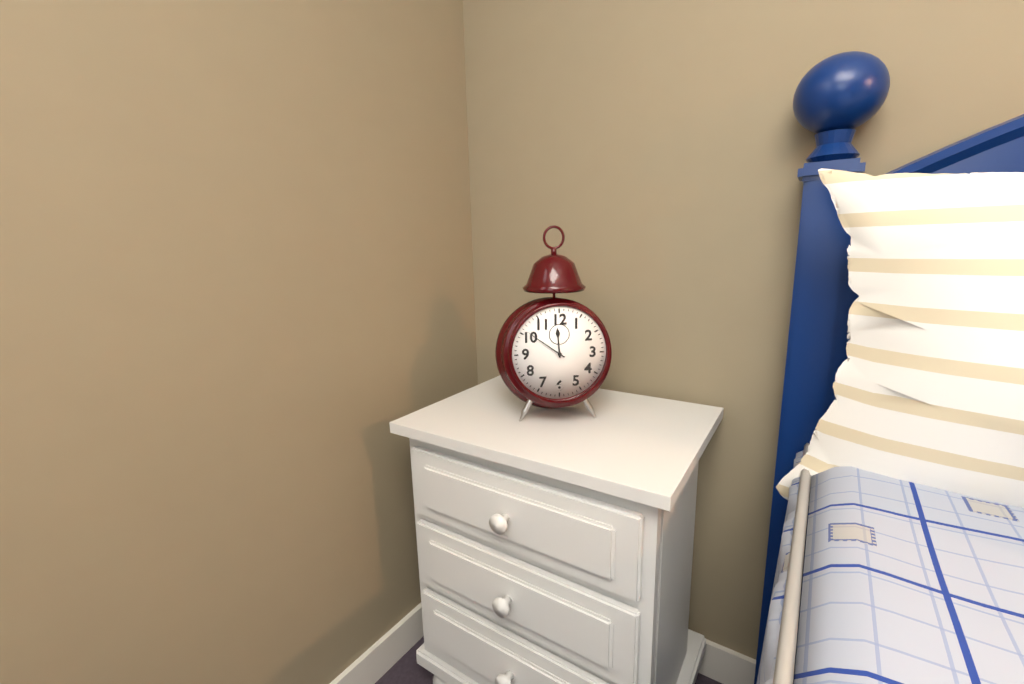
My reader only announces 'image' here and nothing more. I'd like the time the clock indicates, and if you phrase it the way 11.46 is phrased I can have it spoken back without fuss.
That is 11.51
